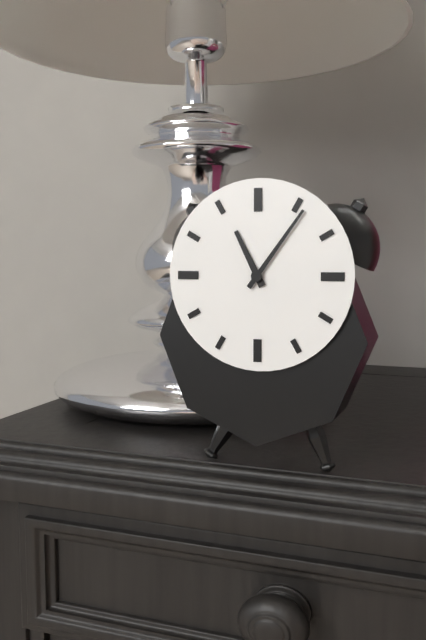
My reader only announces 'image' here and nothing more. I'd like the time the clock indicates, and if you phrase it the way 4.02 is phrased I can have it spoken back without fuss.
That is 11.06
